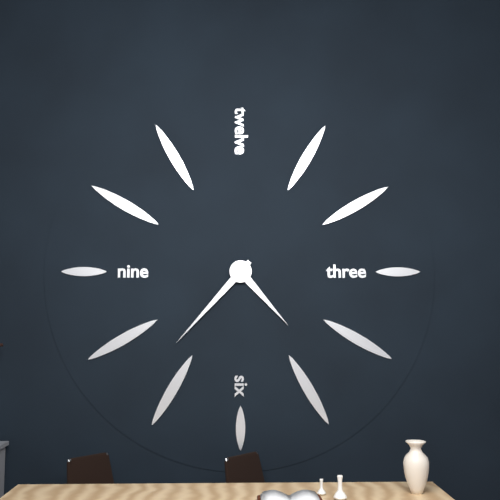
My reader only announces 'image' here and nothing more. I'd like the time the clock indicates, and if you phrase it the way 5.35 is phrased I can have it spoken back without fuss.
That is 4.37
